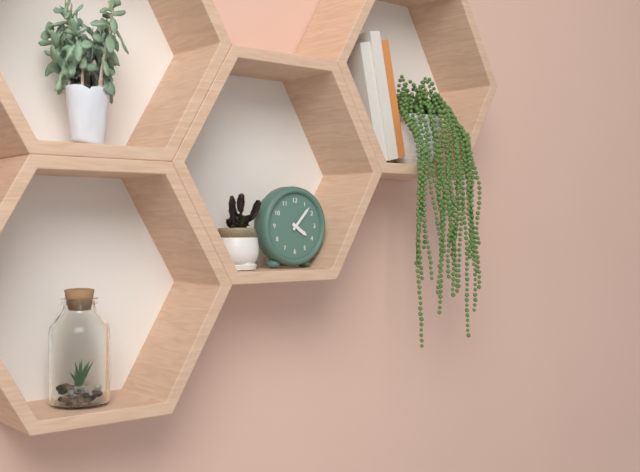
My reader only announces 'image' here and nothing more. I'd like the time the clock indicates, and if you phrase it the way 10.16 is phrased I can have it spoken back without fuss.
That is 4.07
